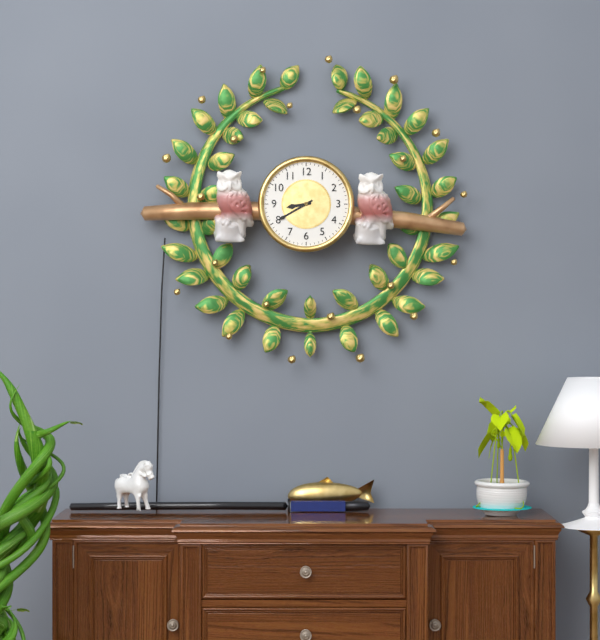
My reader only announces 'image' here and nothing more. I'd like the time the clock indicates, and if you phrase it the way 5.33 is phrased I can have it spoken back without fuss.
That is 8.40
